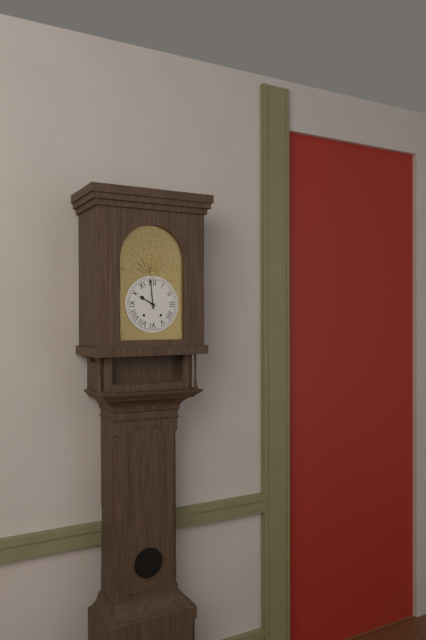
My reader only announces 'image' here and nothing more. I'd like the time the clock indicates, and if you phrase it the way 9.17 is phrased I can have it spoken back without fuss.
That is 9.59
